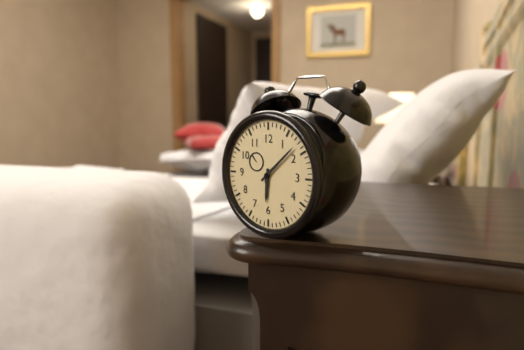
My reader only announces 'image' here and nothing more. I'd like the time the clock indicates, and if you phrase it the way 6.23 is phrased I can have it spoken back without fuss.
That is 6.08
